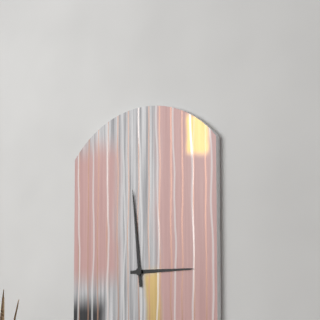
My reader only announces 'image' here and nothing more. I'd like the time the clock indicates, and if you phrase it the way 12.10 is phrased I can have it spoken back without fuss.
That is 2.59
